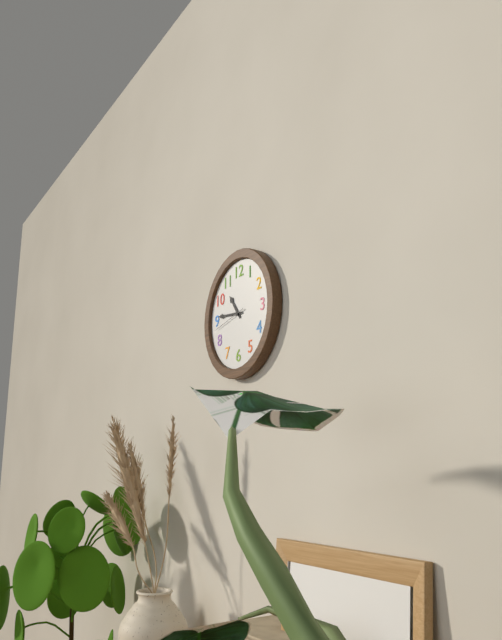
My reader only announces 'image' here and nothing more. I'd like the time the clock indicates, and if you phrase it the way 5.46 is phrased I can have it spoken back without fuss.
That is 10.46
